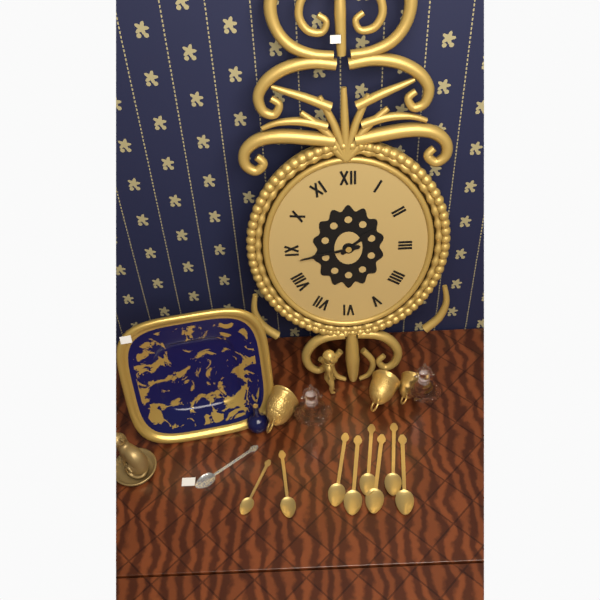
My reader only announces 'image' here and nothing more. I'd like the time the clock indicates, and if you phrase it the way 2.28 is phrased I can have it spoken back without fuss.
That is 1.43
